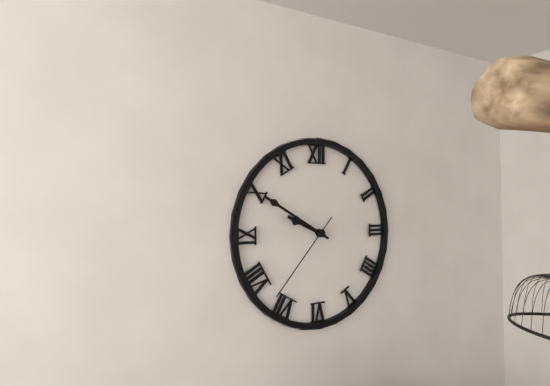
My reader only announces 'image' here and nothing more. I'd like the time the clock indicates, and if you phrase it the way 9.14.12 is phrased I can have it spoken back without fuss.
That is 9.50.37
